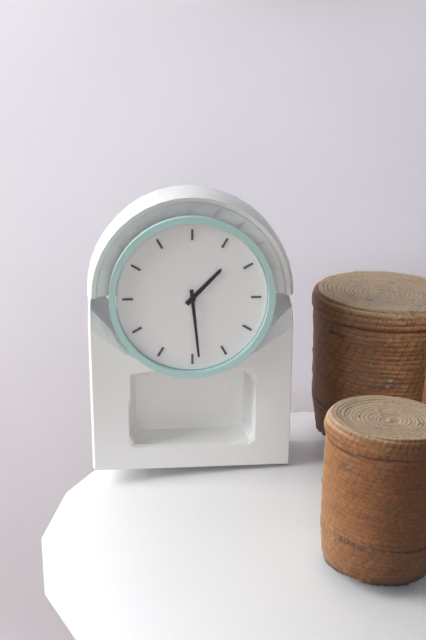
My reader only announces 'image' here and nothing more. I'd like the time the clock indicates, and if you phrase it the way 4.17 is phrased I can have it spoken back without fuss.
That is 1.29
